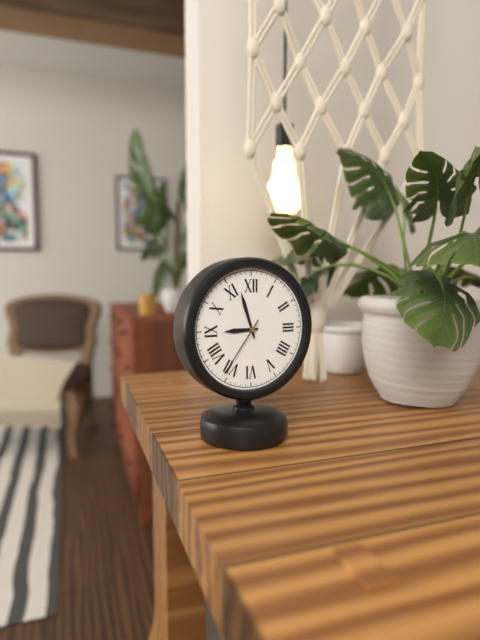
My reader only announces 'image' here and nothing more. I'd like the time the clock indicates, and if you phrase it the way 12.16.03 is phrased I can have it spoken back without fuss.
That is 8.57.36
